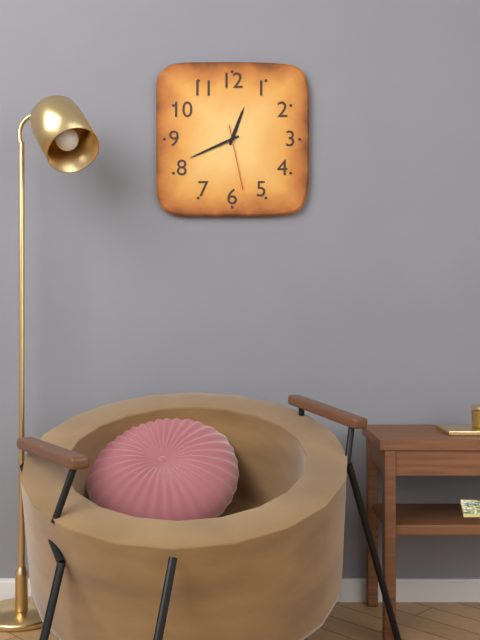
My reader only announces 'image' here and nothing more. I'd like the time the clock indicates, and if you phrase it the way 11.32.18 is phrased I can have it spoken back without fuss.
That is 12.41.28
